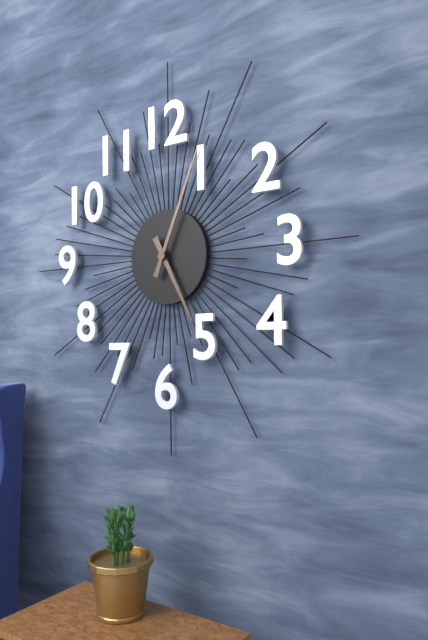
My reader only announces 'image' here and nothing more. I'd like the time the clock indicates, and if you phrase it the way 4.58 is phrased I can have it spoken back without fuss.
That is 5.04
